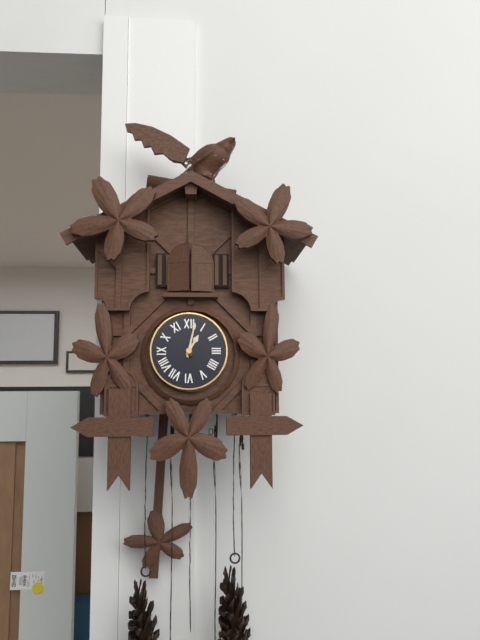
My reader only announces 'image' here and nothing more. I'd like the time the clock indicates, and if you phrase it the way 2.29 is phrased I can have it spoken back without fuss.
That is 1.02
